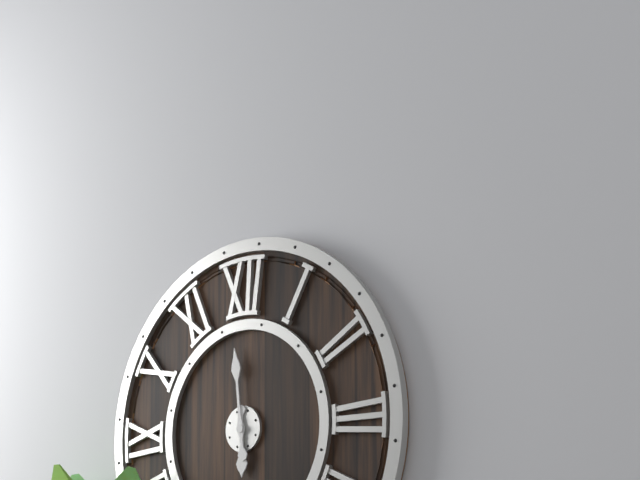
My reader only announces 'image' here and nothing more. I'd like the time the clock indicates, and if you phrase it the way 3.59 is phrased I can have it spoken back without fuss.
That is 5.59
